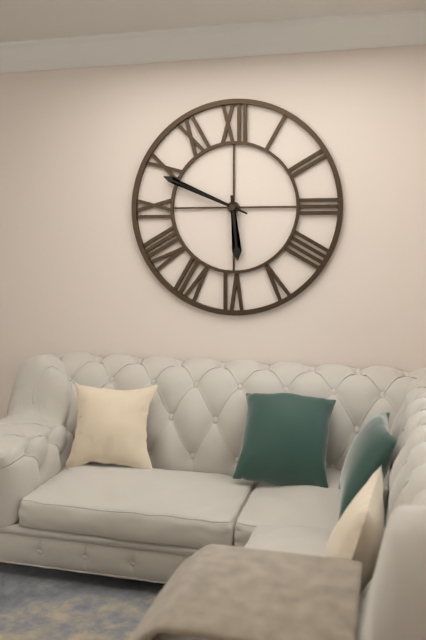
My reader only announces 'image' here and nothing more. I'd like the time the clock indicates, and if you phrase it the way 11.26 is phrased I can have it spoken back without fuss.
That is 5.49
